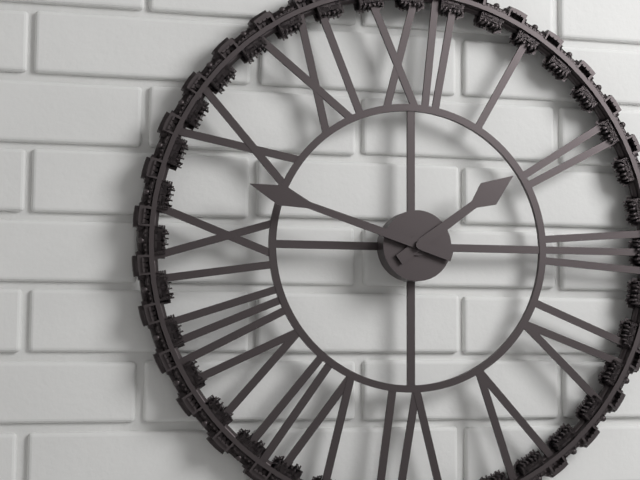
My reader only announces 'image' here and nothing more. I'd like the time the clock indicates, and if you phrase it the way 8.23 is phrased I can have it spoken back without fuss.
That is 1.48
